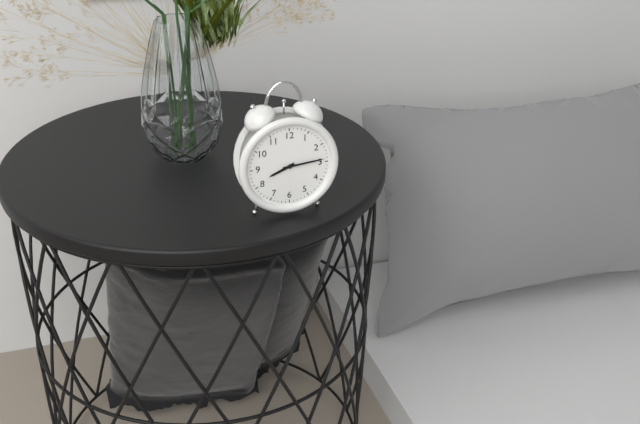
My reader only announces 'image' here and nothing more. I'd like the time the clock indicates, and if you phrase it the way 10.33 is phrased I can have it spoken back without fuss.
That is 8.14
